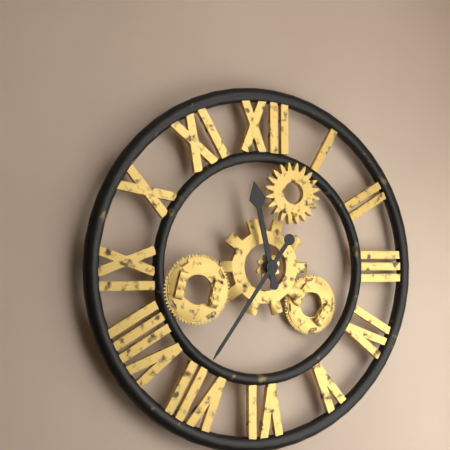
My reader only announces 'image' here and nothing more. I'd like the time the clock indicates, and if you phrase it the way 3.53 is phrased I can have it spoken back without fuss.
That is 11.36
